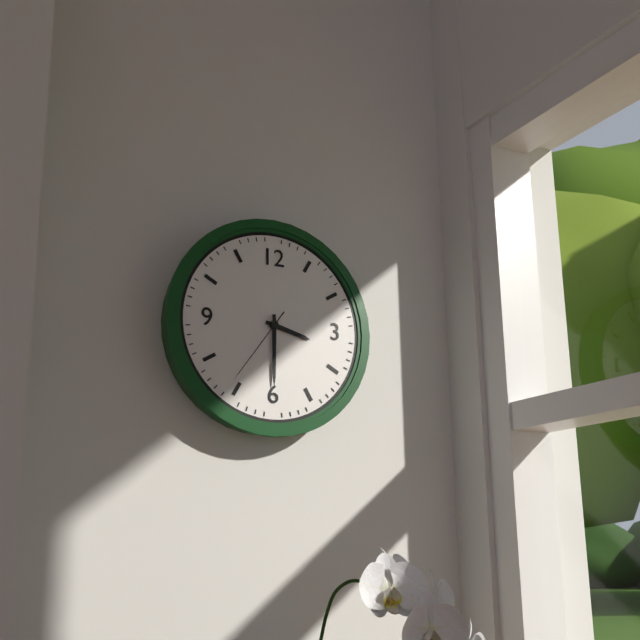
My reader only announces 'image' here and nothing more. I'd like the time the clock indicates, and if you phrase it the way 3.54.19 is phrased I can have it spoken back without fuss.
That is 3.30.36
